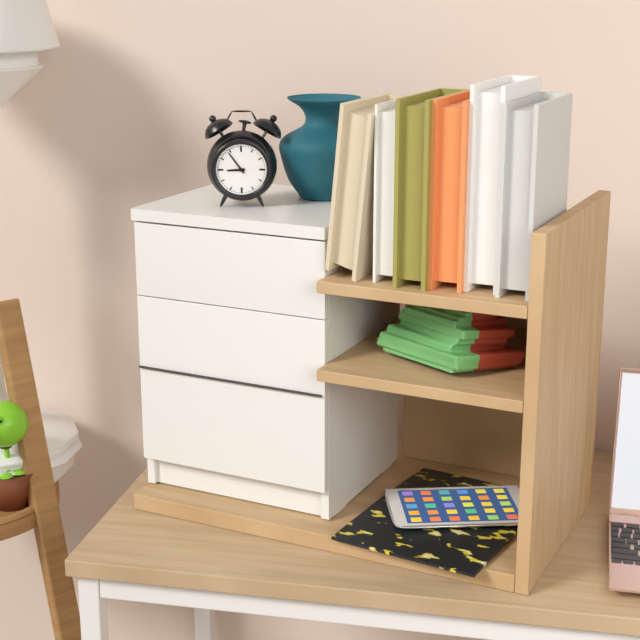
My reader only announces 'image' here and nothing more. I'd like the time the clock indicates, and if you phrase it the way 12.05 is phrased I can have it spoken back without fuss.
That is 8.54
